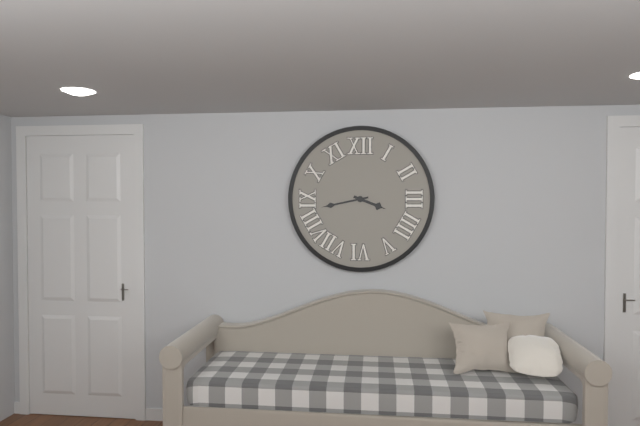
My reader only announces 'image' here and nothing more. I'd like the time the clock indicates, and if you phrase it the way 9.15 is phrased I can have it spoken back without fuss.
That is 3.43
